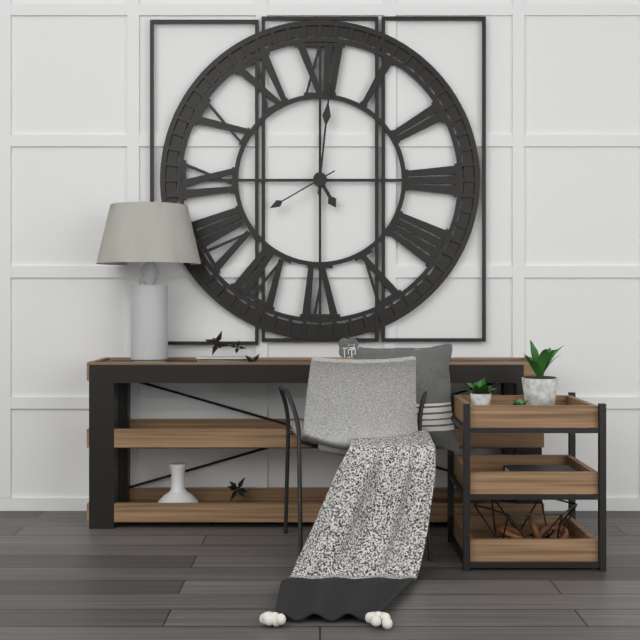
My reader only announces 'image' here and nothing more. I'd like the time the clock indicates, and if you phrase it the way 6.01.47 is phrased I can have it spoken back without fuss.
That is 5.01.40
